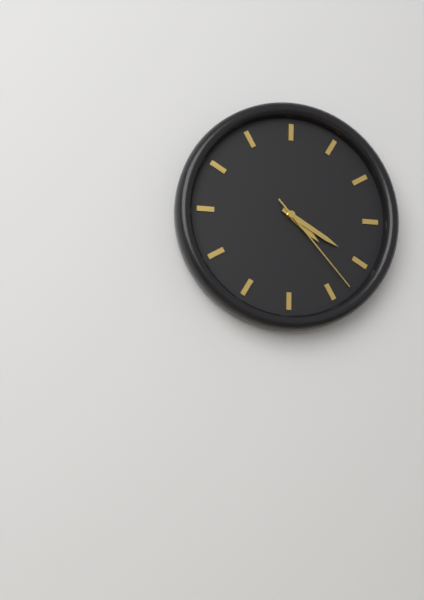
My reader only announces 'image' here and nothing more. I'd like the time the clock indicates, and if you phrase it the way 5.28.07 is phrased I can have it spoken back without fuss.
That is 4.20.23
